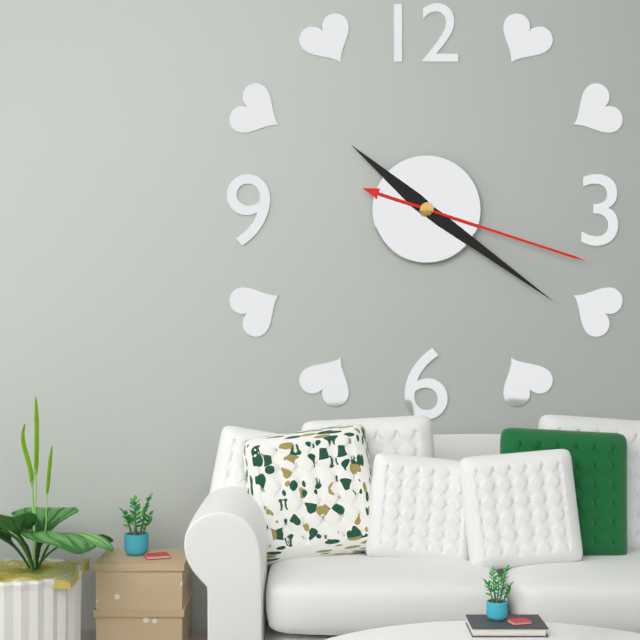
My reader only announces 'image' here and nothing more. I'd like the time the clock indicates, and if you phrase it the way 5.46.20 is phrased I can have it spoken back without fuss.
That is 10.21.18
